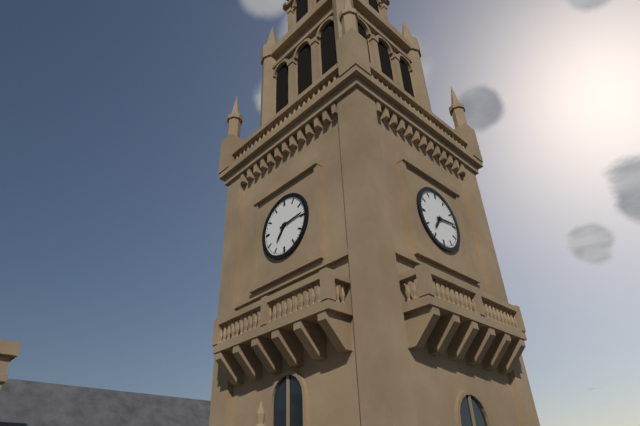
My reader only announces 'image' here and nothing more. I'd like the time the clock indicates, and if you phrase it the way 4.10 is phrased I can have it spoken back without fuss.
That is 7.14
